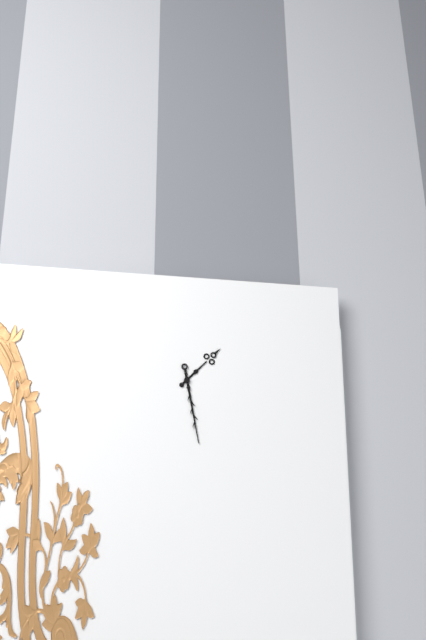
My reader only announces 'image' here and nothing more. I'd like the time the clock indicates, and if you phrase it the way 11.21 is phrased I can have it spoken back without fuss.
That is 1.28
